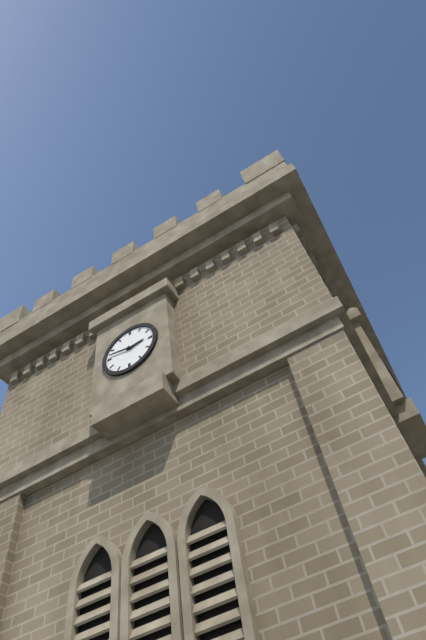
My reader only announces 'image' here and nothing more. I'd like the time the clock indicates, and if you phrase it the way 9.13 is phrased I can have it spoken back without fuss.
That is 2.47
